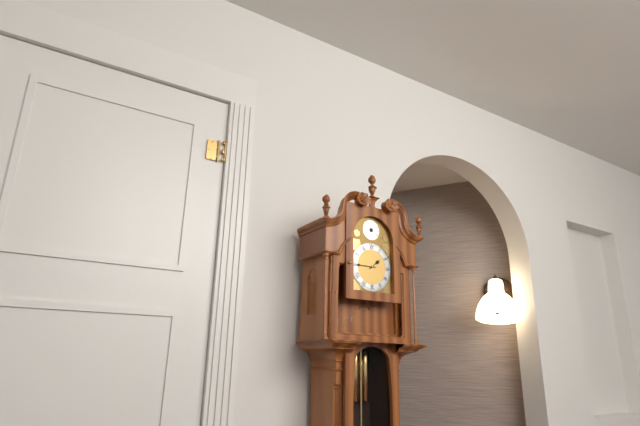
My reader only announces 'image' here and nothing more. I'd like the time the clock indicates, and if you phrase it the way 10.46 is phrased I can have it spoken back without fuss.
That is 1.45
